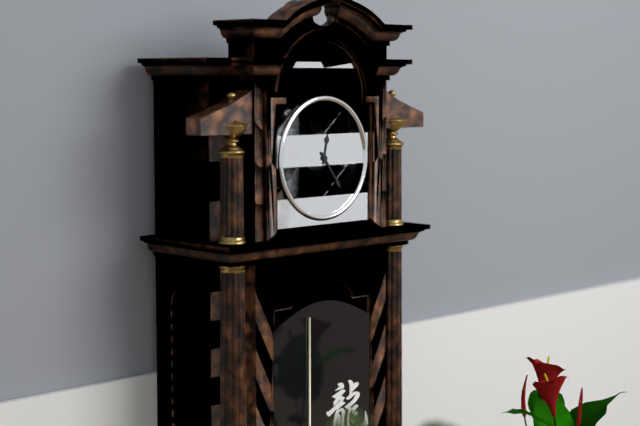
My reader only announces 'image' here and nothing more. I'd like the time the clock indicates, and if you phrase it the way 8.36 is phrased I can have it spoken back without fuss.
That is 12.24
